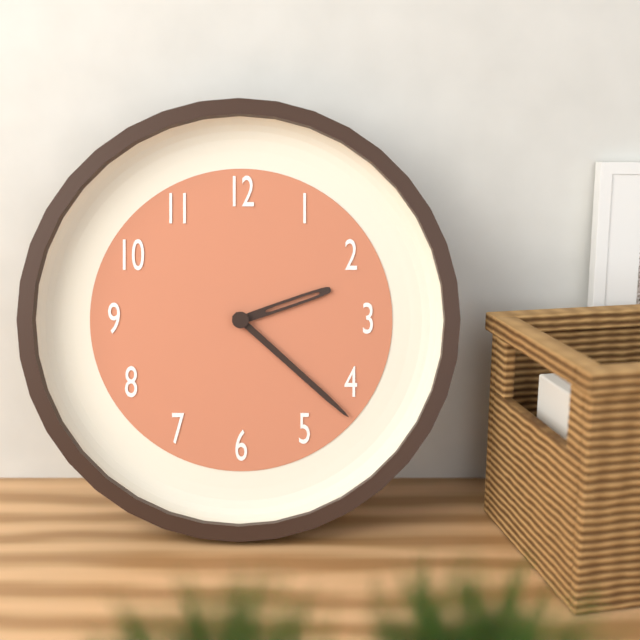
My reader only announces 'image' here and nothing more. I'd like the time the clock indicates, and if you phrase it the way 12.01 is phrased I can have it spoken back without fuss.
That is 2.22
